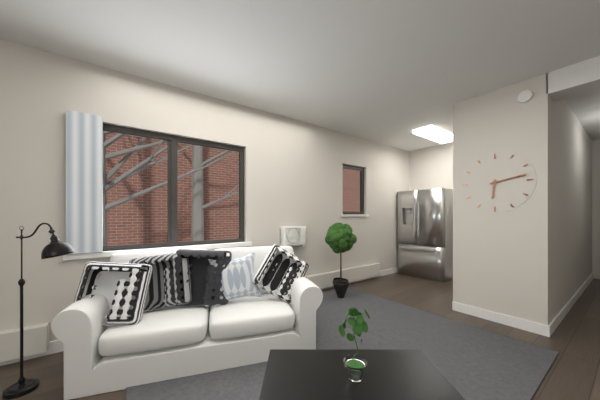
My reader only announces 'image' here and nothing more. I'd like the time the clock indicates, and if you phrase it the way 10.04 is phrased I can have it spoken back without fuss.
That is 6.13
